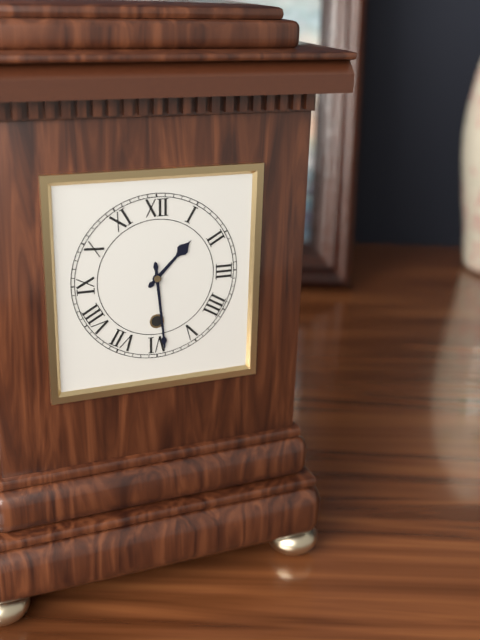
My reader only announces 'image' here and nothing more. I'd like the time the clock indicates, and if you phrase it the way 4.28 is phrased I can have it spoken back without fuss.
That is 1.29
